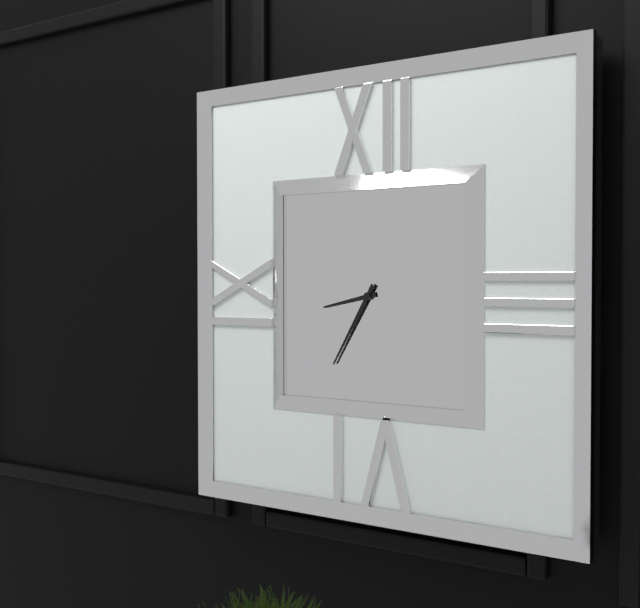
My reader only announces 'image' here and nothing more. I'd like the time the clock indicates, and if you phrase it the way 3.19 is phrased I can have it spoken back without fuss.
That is 8.35
